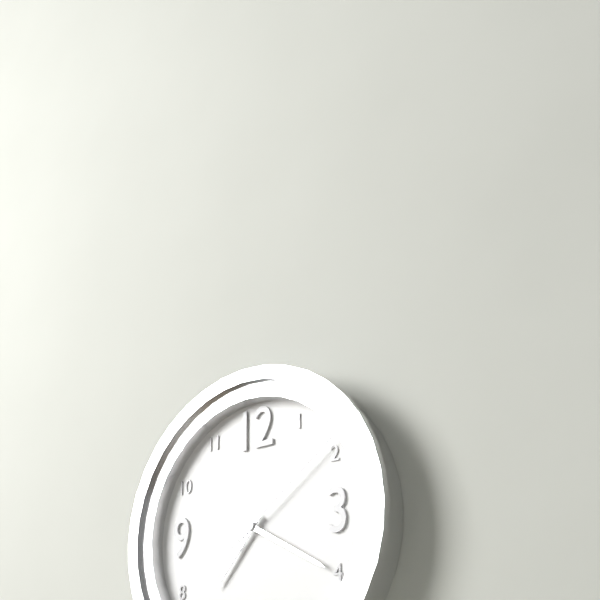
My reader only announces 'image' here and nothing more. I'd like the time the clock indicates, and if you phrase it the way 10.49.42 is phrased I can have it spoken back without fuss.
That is 7.20.09
